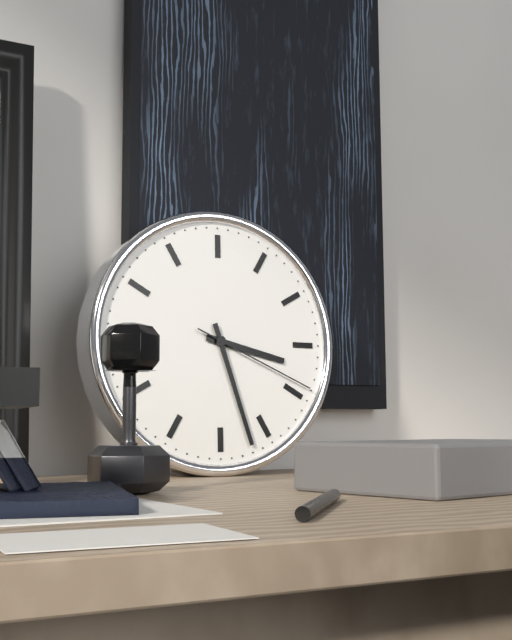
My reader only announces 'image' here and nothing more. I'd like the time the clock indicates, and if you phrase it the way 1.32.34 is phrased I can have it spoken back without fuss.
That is 3.27.19
